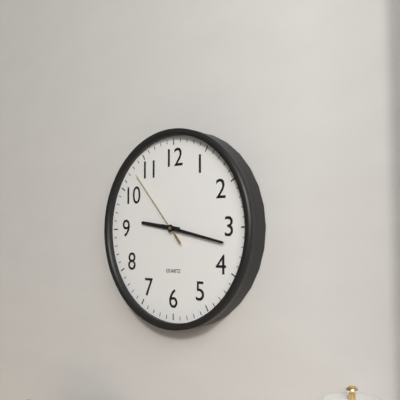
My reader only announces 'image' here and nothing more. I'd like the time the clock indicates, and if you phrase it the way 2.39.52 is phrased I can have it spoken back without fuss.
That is 9.17.53
